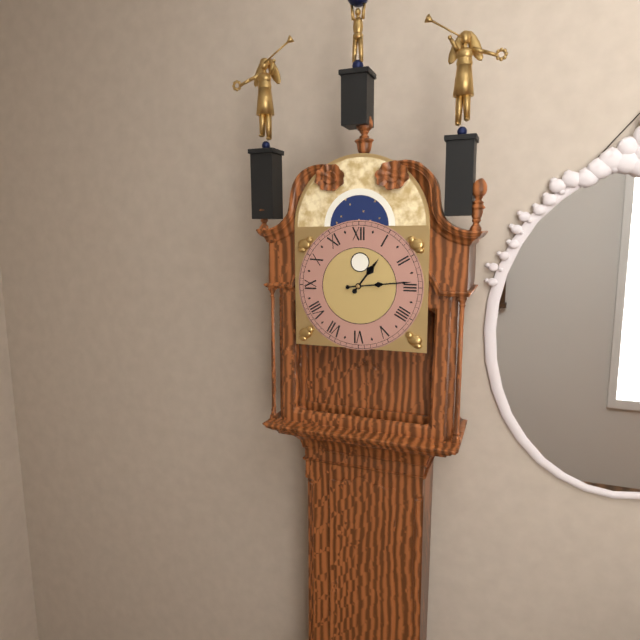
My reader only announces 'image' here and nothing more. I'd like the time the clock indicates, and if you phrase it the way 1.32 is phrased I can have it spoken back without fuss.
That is 1.14
